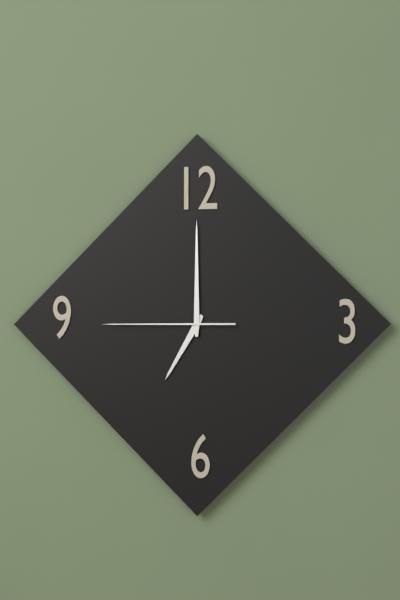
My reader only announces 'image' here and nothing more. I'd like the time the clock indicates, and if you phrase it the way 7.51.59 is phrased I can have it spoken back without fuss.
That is 7.00.45
